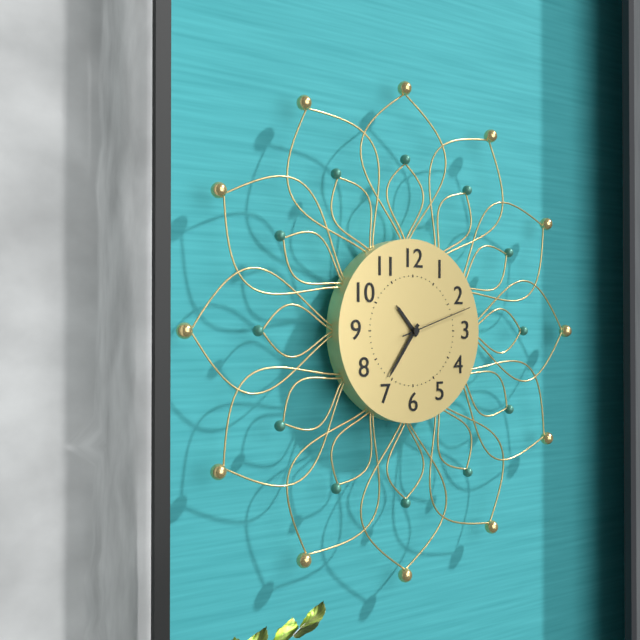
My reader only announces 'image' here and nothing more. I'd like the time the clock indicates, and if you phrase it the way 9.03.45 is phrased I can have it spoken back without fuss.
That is 10.36.12
